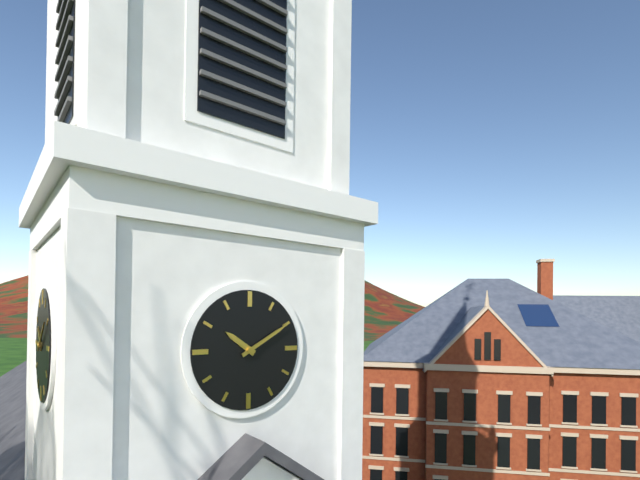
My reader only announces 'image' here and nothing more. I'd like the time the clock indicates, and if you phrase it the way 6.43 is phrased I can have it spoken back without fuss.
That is 10.10
